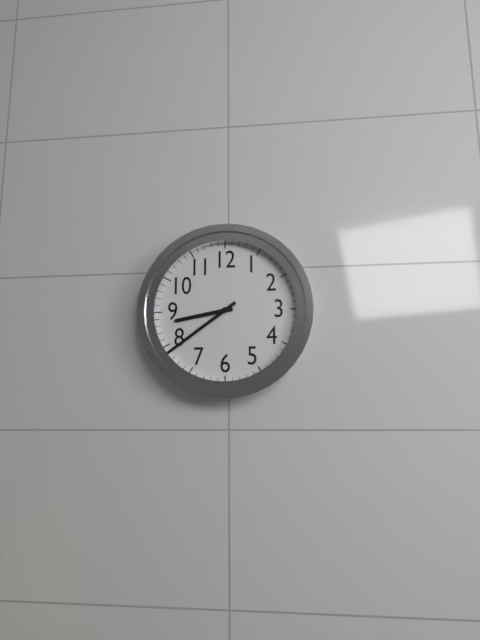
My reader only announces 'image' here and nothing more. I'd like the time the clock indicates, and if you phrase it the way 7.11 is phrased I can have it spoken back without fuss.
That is 8.39
